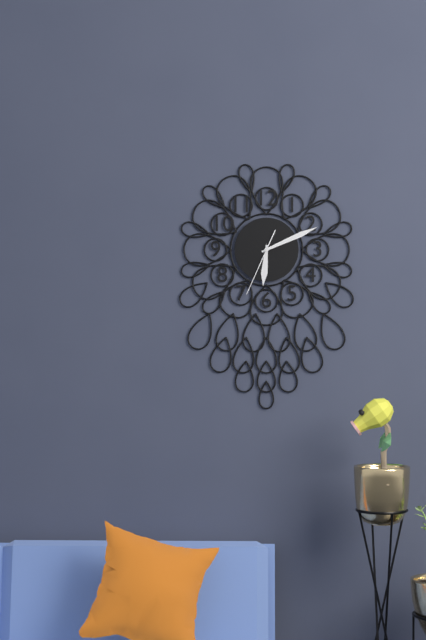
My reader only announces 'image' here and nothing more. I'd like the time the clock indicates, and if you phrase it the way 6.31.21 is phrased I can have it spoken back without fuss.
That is 6.11.34
